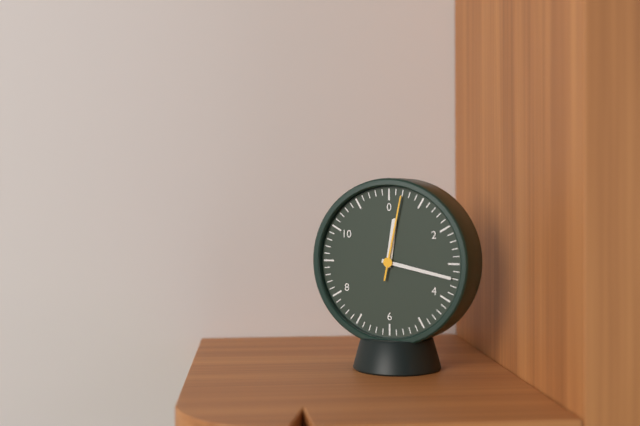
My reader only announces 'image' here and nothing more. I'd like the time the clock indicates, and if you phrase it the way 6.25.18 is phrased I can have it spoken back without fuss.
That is 12.17.02
